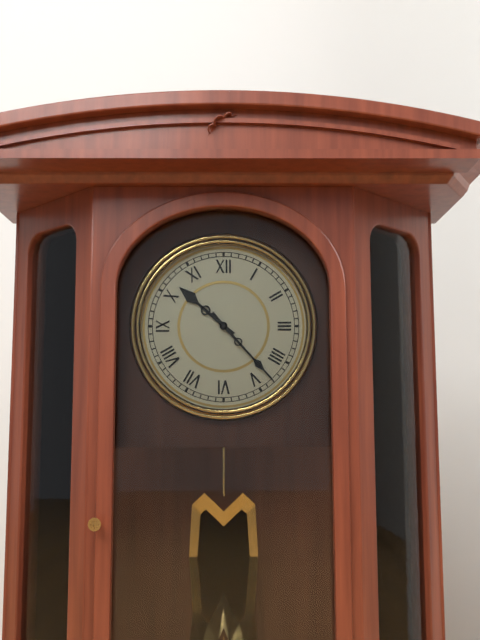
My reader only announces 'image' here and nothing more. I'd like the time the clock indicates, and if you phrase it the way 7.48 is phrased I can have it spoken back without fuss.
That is 10.23
